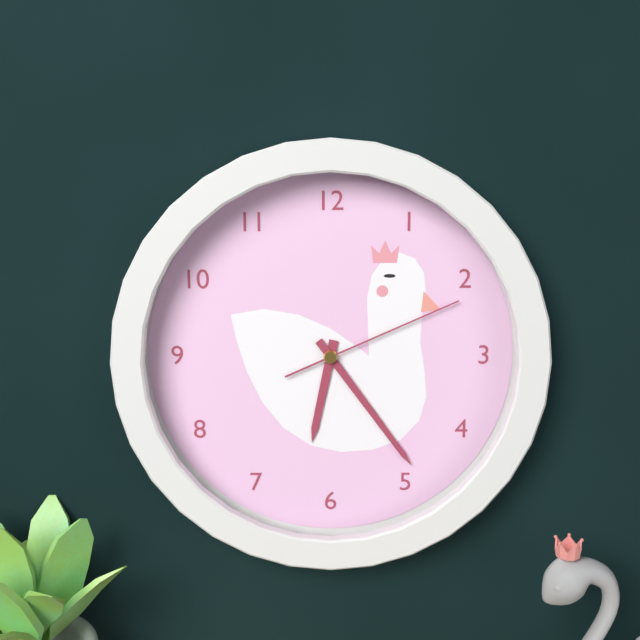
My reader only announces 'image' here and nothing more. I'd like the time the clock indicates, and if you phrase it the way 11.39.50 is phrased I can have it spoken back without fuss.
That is 6.24.11
